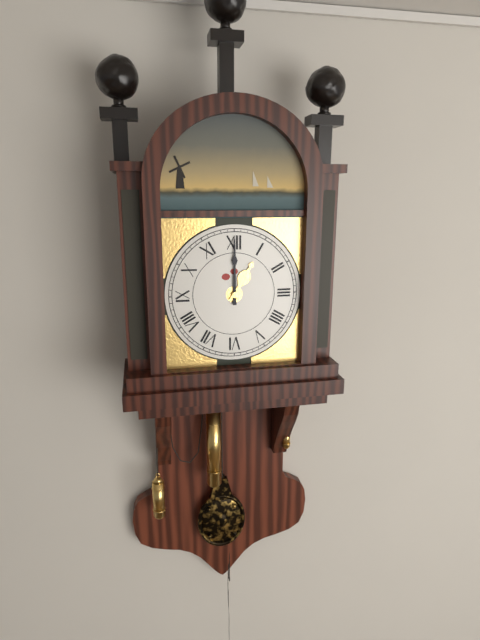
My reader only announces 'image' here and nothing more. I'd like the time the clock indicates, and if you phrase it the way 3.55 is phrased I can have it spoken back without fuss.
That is 1.00
